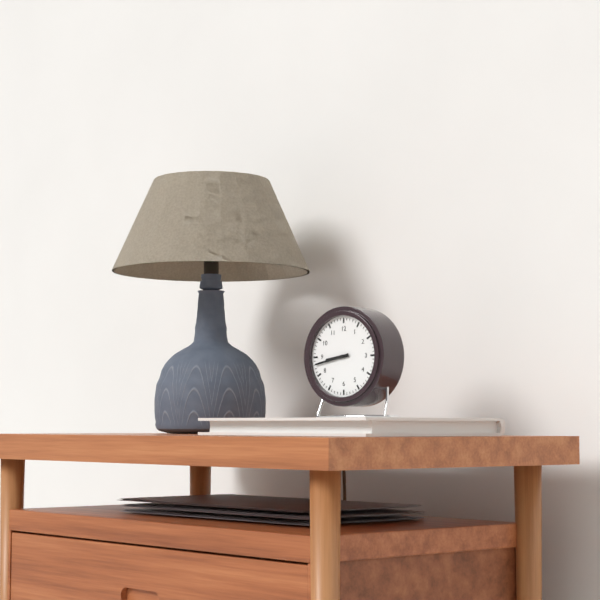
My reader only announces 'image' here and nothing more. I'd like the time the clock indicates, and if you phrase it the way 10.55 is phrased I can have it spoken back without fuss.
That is 8.43
